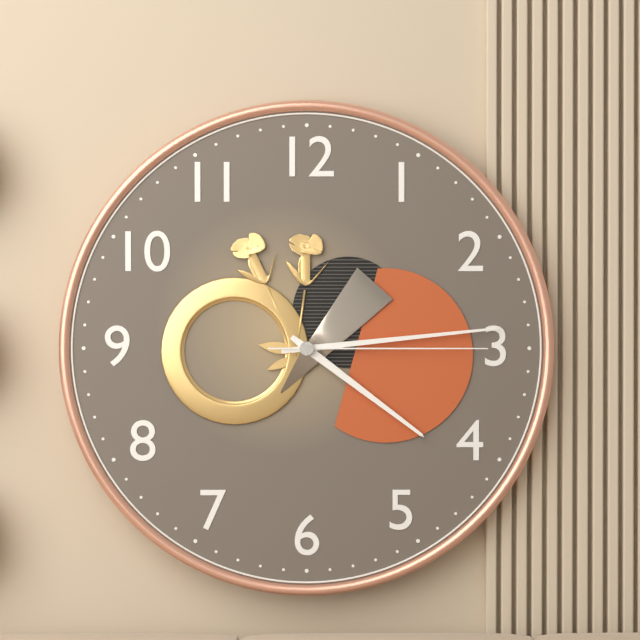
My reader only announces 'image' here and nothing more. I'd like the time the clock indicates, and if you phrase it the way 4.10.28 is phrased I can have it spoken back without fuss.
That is 4.14.15
